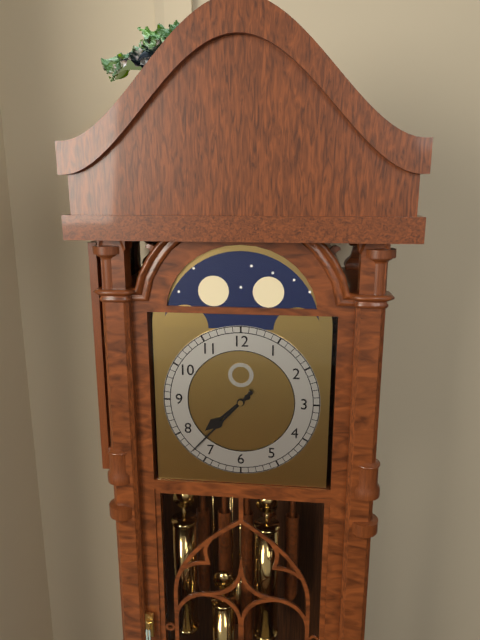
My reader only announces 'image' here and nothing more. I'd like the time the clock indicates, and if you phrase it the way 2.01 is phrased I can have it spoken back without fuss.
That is 7.37
